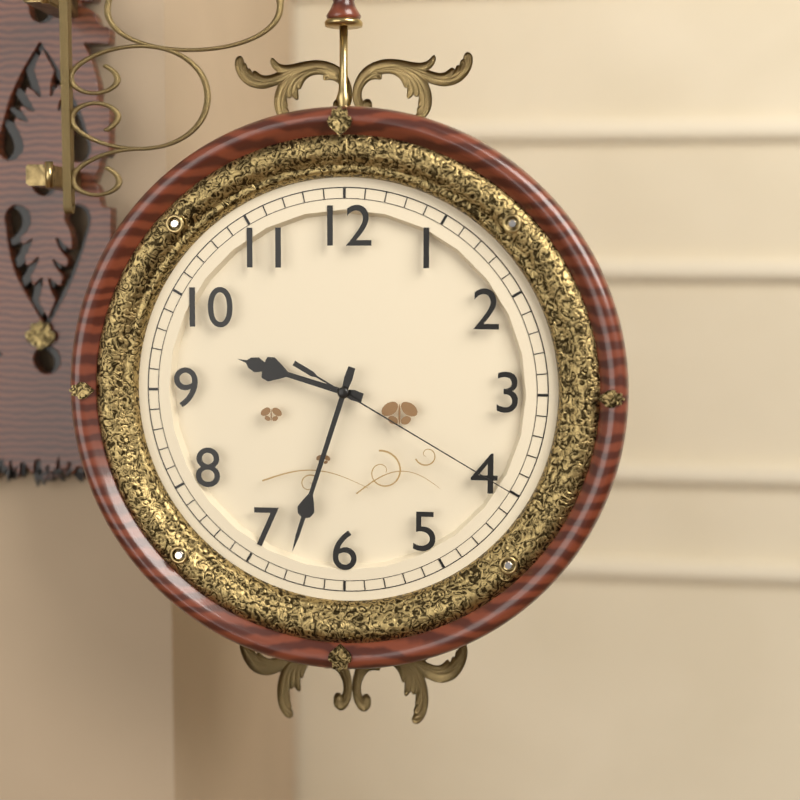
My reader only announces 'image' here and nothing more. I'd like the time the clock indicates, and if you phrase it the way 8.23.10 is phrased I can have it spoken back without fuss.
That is 9.33.20
